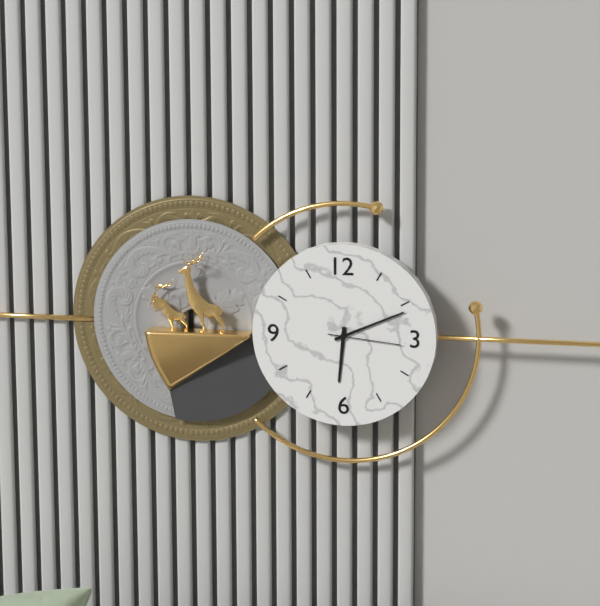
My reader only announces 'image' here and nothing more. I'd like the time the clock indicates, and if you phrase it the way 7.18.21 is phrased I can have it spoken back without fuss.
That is 6.11.16
